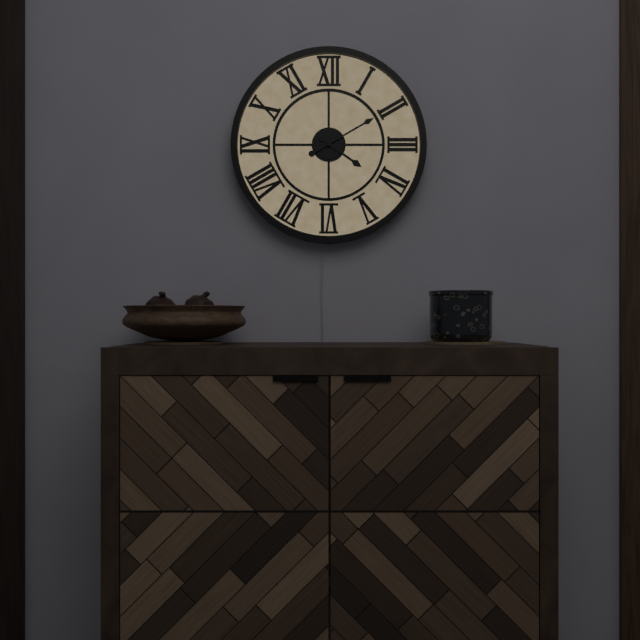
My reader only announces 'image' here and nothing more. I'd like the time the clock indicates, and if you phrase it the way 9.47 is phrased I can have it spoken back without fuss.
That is 4.10
